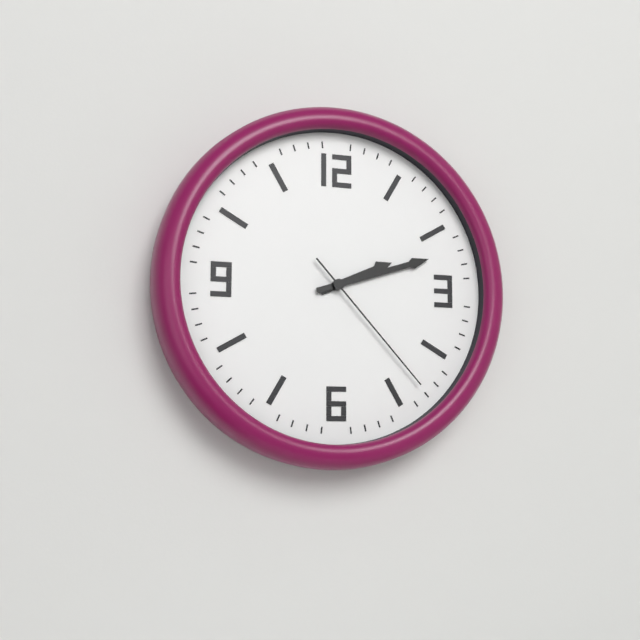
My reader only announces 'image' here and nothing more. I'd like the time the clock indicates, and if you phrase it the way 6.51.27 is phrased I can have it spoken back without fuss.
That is 2.12.23
